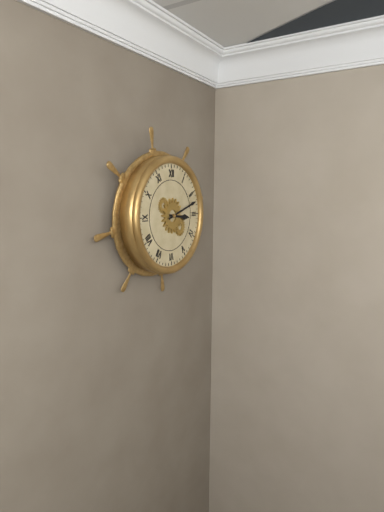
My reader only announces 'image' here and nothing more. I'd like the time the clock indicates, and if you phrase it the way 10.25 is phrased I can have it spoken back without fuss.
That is 3.12
